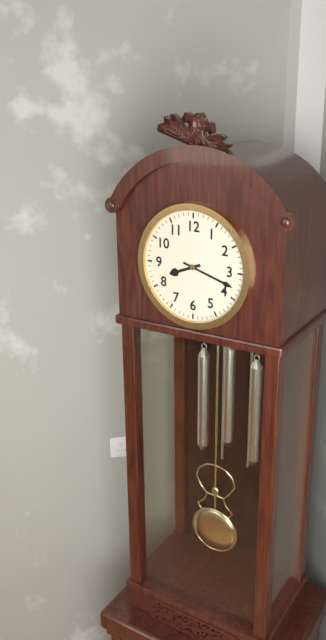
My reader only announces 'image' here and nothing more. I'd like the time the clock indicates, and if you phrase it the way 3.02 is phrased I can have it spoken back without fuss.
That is 8.18
